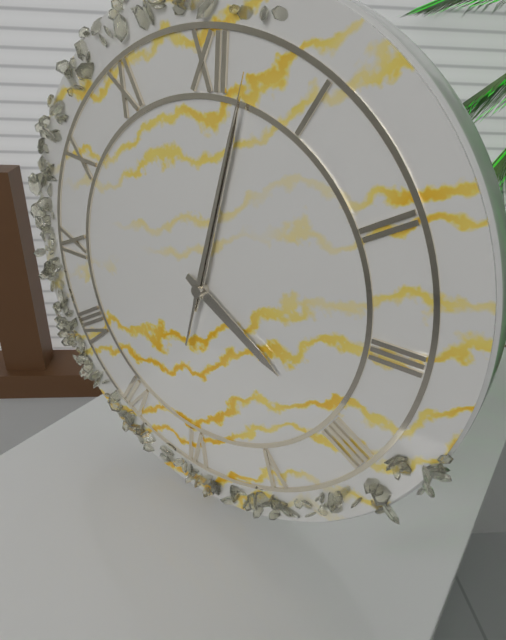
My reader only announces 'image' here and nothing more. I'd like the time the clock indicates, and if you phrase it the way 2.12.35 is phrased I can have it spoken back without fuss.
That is 4.02.02
